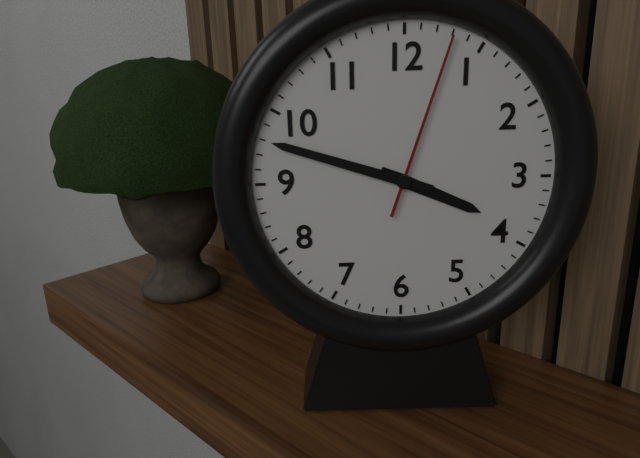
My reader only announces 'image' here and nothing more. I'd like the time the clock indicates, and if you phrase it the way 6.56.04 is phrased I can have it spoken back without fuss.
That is 3.48.03
